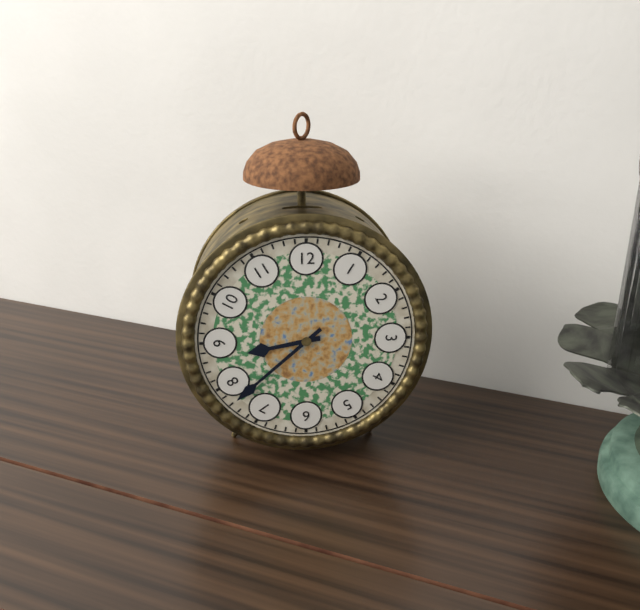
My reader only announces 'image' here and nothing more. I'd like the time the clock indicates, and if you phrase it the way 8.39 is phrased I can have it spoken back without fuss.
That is 8.38
